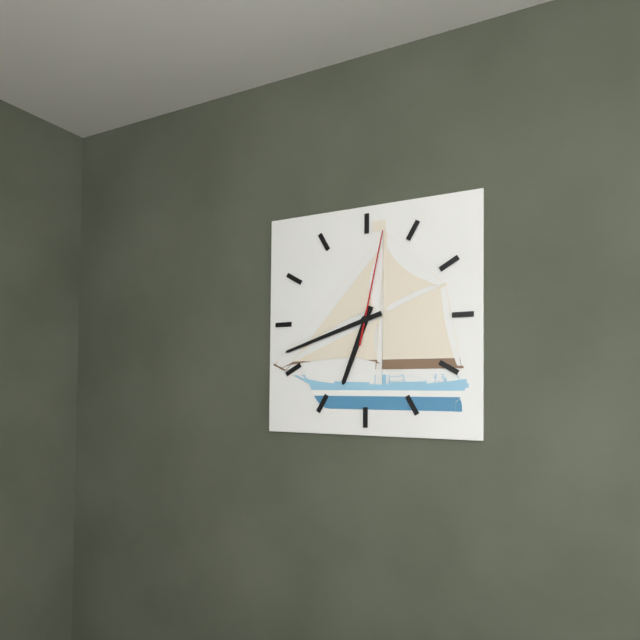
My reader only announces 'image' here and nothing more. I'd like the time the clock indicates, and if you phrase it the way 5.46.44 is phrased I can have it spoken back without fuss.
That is 6.42.02
